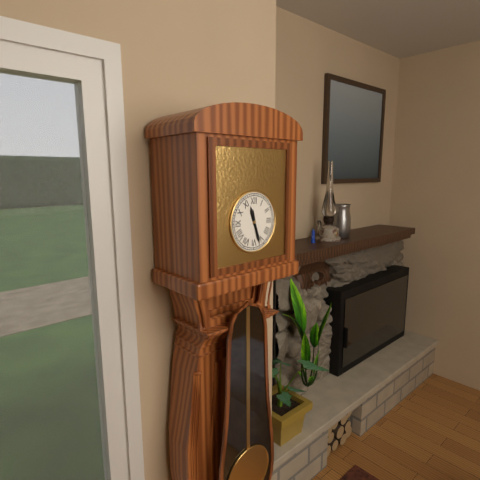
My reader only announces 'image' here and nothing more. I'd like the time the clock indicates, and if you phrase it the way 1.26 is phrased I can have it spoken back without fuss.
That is 11.27
